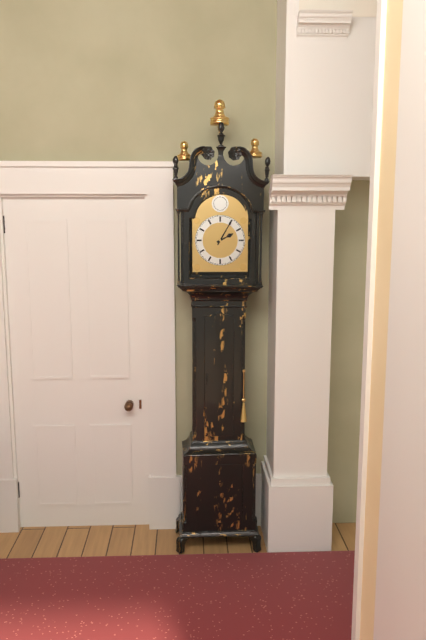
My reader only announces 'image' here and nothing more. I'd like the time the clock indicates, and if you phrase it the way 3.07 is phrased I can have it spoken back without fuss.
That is 2.05
